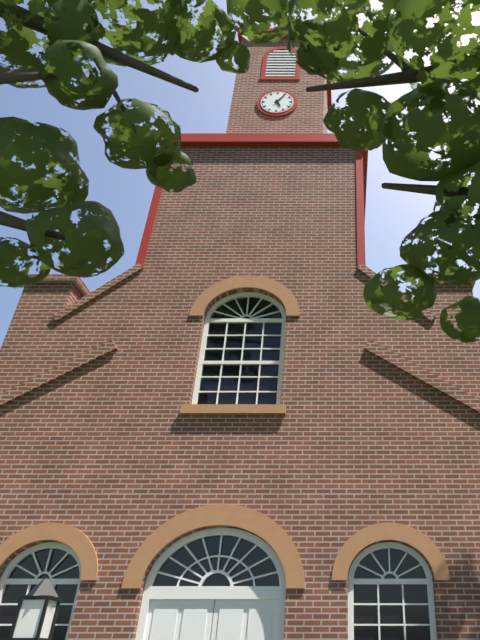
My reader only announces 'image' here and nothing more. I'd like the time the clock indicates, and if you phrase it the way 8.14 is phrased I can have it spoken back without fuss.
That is 5.06
